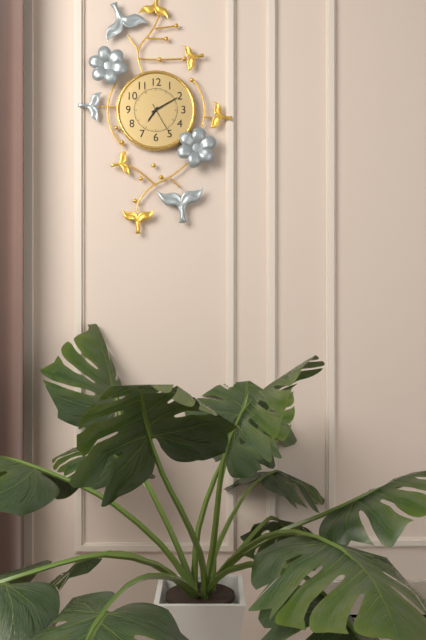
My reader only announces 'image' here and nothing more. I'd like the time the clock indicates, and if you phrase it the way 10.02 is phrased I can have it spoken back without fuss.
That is 7.10
